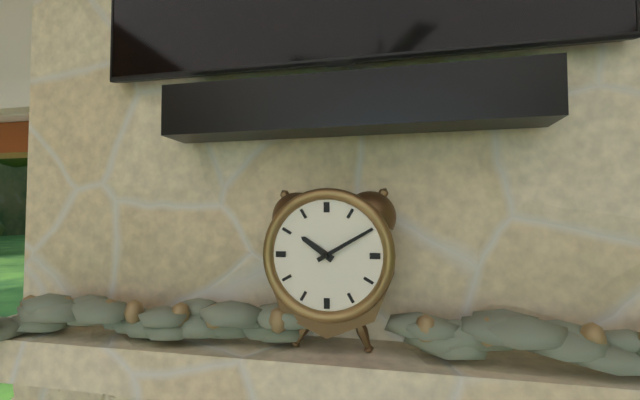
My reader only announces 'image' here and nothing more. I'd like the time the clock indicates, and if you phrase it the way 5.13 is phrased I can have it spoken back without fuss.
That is 10.10
